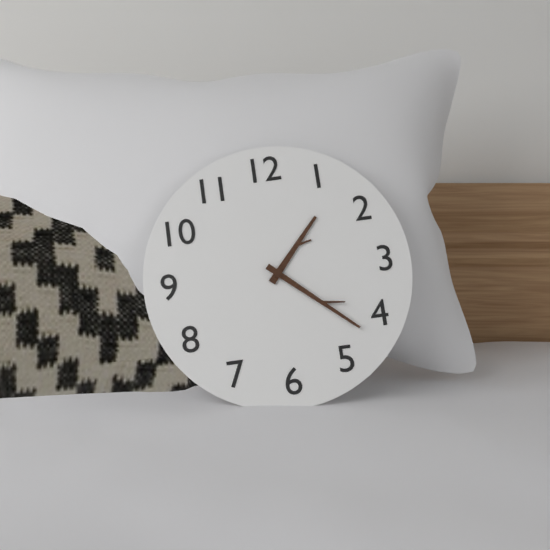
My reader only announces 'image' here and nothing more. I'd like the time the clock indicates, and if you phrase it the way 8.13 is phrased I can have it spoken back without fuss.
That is 1.22
